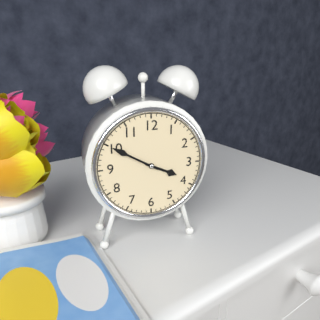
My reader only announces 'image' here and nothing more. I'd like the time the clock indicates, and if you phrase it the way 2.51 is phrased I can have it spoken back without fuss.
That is 3.50
